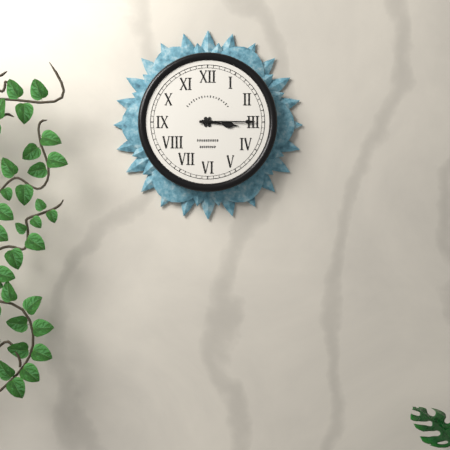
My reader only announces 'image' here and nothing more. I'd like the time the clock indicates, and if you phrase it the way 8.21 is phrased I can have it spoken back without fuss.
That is 3.15
